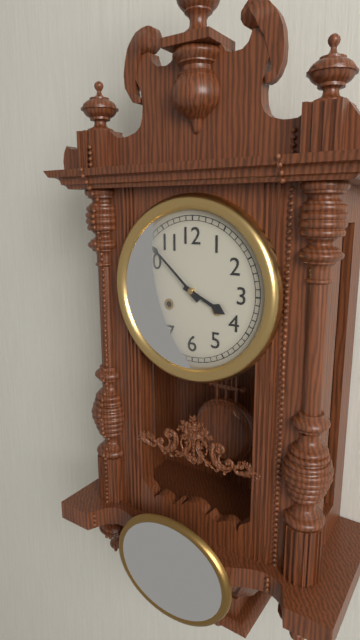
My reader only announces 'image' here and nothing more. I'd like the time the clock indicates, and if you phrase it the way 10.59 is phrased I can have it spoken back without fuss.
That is 3.52
